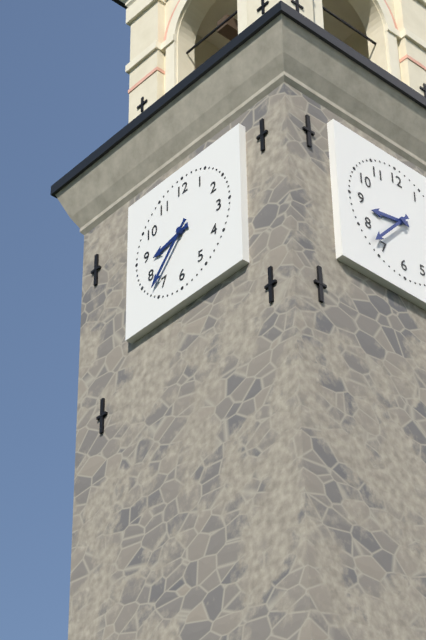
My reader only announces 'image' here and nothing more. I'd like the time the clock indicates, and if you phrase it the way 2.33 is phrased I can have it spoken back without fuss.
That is 8.37
